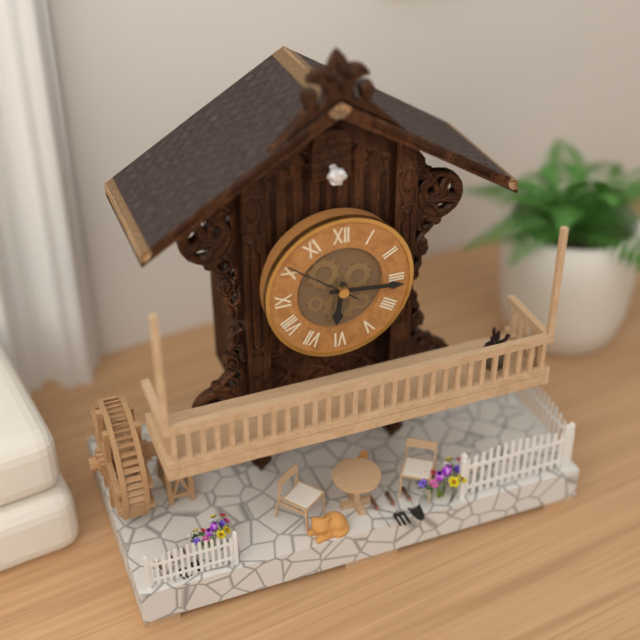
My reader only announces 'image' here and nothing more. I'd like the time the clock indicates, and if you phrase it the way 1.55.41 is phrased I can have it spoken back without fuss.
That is 6.16.51
